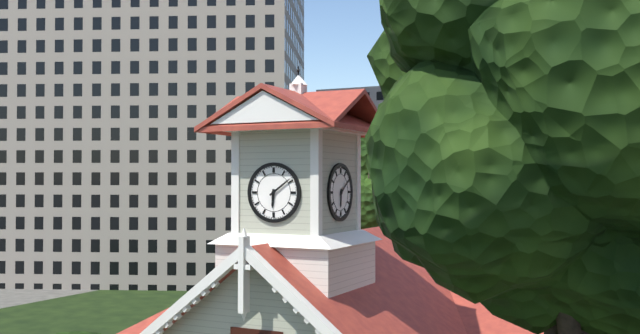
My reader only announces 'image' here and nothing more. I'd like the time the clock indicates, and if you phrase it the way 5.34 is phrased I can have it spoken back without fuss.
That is 6.09
